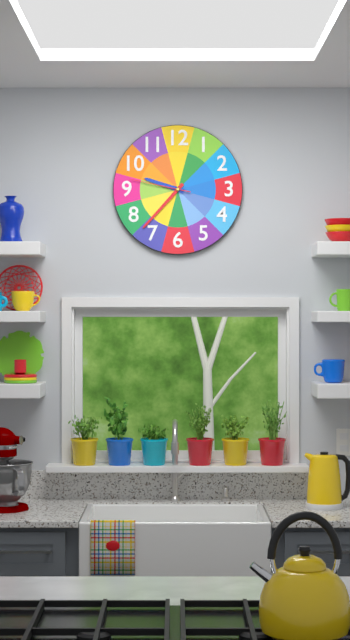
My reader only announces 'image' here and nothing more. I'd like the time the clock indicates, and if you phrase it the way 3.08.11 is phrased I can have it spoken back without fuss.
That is 9.37.47
